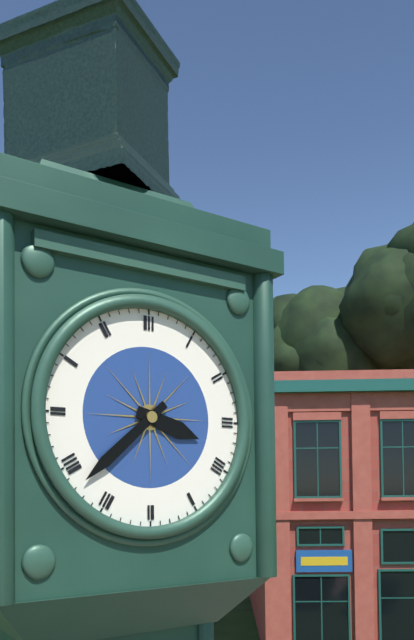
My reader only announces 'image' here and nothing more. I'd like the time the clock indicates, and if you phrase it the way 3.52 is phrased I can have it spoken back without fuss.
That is 3.38
